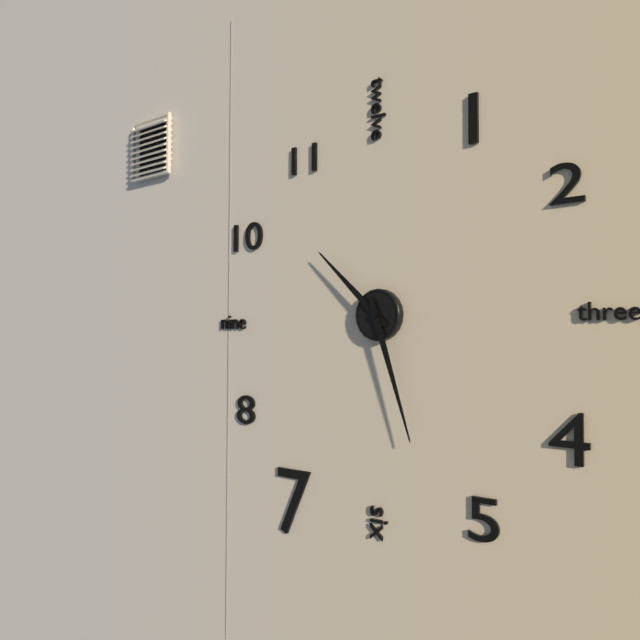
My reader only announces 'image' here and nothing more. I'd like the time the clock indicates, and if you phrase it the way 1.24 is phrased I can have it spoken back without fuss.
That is 10.27
